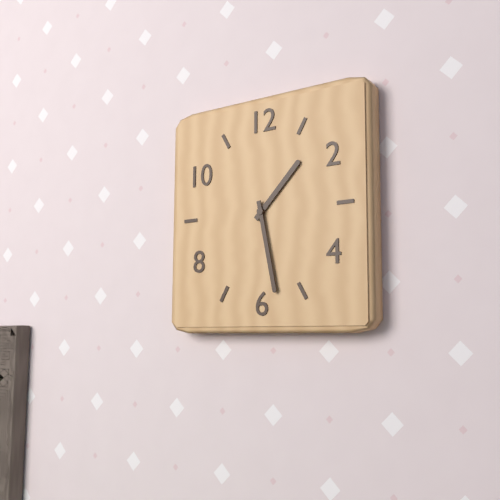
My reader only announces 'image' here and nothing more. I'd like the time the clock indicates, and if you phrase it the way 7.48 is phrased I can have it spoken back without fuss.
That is 1.28
